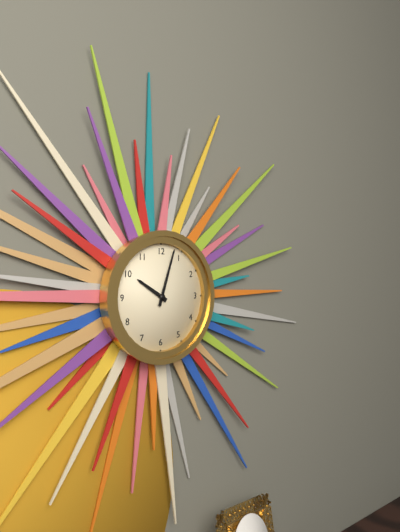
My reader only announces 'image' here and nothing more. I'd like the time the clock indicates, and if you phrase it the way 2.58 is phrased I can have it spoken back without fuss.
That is 10.03
